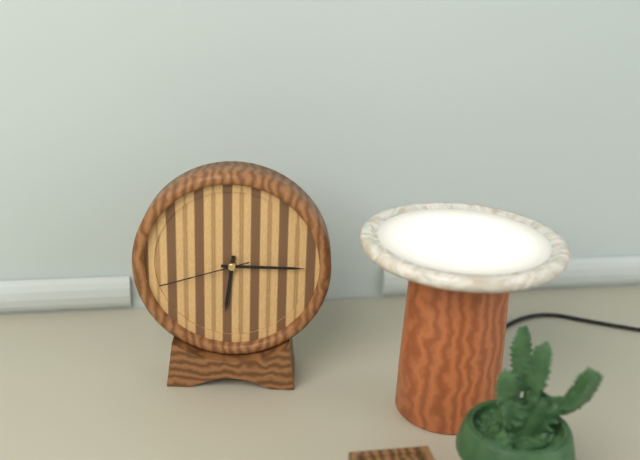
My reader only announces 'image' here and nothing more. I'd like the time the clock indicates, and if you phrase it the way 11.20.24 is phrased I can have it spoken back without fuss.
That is 6.15.42
